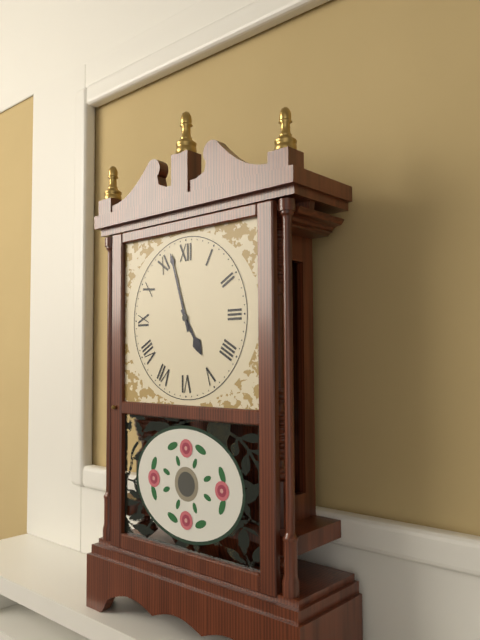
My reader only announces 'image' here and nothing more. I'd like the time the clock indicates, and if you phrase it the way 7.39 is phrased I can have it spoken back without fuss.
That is 4.57
